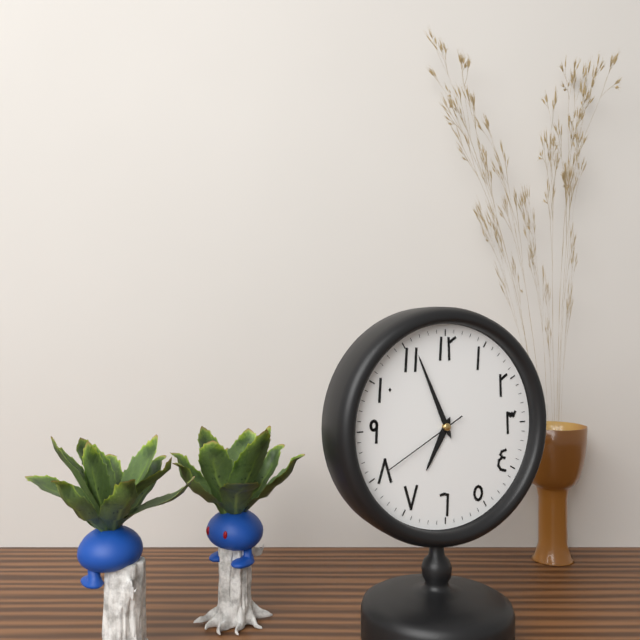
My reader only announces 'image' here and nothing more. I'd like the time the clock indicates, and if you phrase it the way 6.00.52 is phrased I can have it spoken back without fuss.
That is 6.56.40
